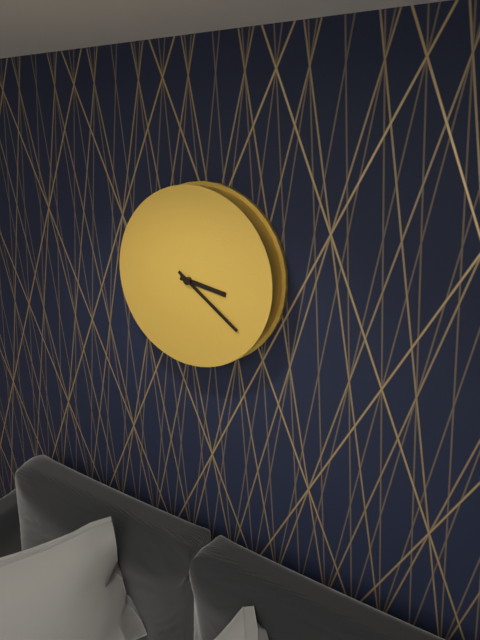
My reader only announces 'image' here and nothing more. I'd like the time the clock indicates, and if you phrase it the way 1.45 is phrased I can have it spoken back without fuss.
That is 3.21
